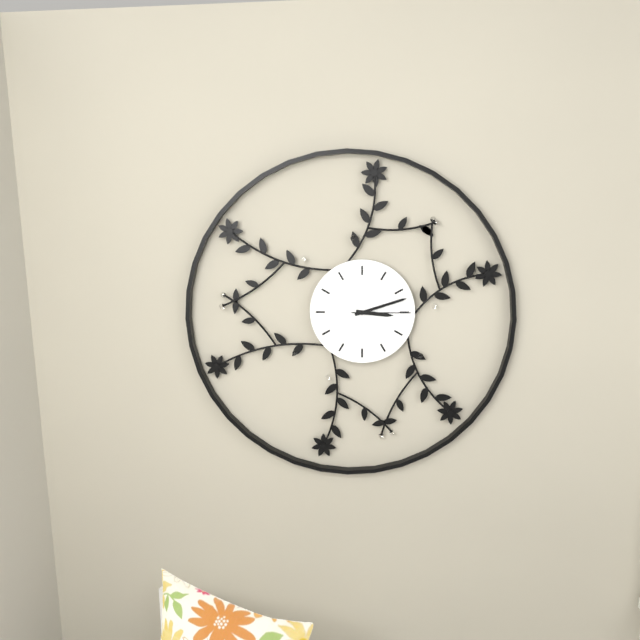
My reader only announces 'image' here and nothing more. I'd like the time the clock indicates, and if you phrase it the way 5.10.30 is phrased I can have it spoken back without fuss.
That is 3.12.15
